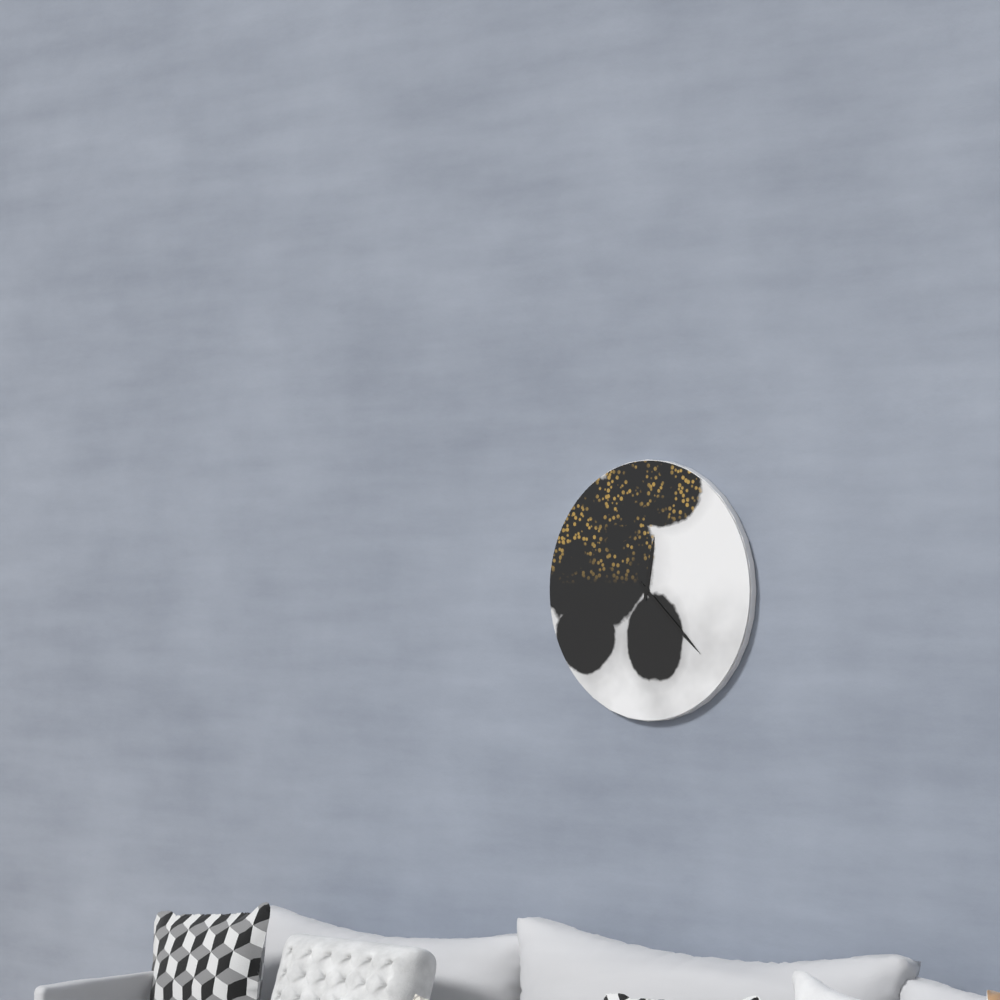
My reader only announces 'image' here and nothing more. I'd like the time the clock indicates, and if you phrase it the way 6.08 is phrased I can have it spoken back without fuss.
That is 12.22
